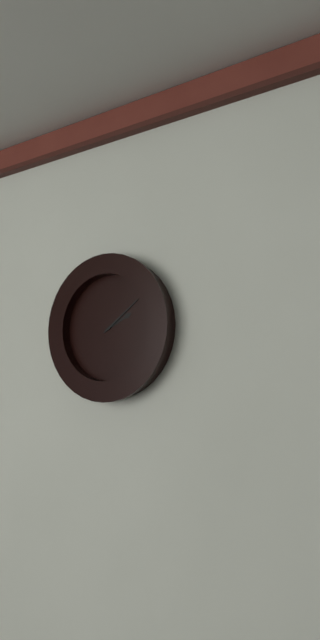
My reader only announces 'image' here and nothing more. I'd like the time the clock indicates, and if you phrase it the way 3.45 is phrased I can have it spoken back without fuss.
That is 2.09
